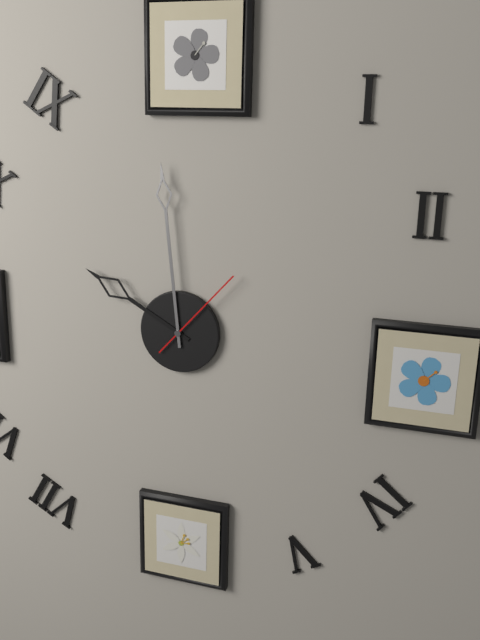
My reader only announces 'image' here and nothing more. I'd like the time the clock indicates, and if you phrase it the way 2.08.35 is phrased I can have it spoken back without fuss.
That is 9.59.07
